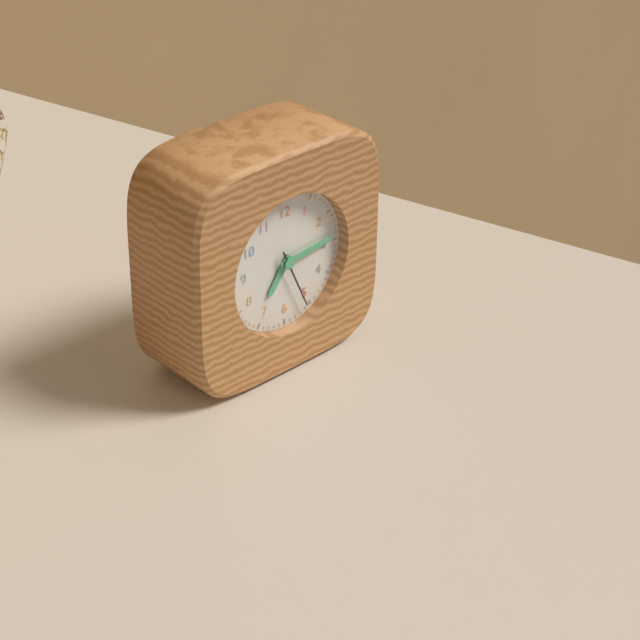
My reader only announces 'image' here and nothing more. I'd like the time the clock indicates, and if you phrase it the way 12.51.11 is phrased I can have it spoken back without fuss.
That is 7.14.26
